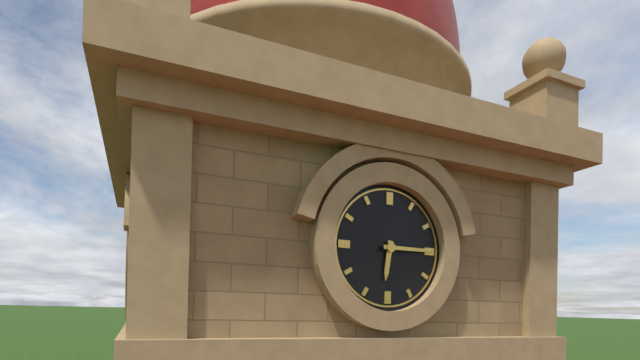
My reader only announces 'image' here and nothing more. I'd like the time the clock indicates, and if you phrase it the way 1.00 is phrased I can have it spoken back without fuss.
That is 6.15
